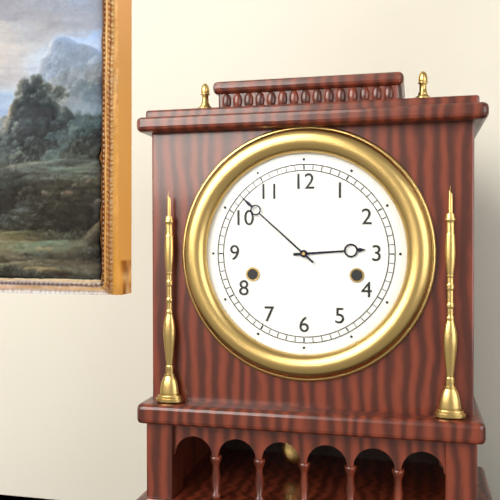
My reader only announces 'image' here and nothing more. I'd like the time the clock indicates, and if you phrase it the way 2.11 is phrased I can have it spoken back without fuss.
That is 2.52
